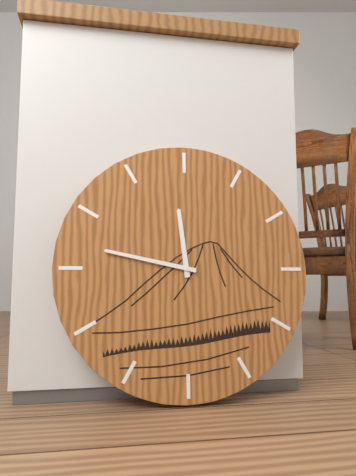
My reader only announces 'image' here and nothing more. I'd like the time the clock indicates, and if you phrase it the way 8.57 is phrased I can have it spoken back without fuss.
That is 11.47
